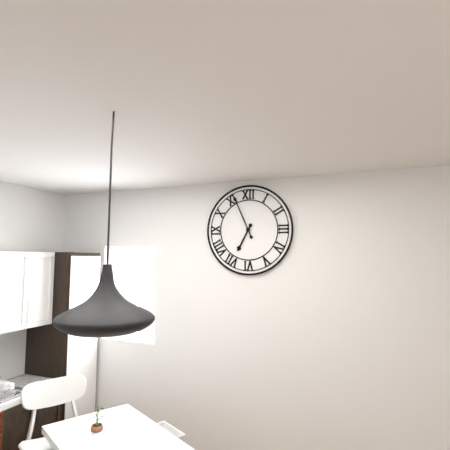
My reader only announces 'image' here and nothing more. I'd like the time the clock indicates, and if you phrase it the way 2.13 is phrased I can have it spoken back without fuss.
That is 6.56
